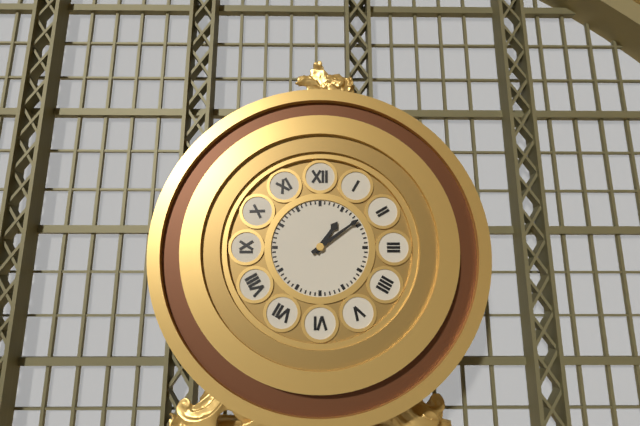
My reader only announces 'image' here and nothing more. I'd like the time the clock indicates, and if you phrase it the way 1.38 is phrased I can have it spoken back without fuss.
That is 1.09
